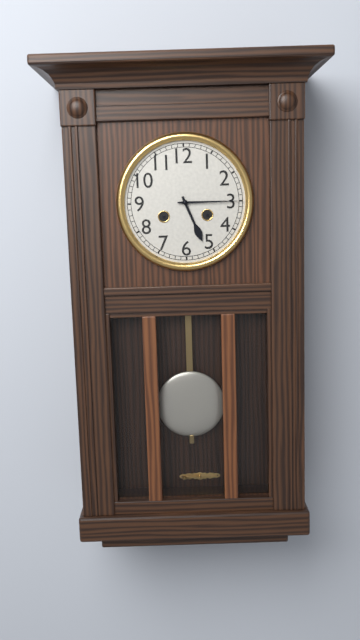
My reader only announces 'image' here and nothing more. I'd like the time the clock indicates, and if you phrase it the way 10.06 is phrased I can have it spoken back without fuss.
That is 5.15
